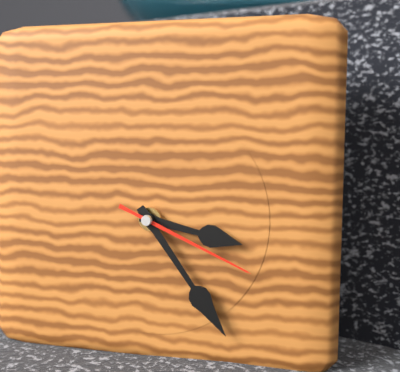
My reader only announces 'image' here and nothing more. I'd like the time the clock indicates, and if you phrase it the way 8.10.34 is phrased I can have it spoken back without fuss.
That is 3.24.19
